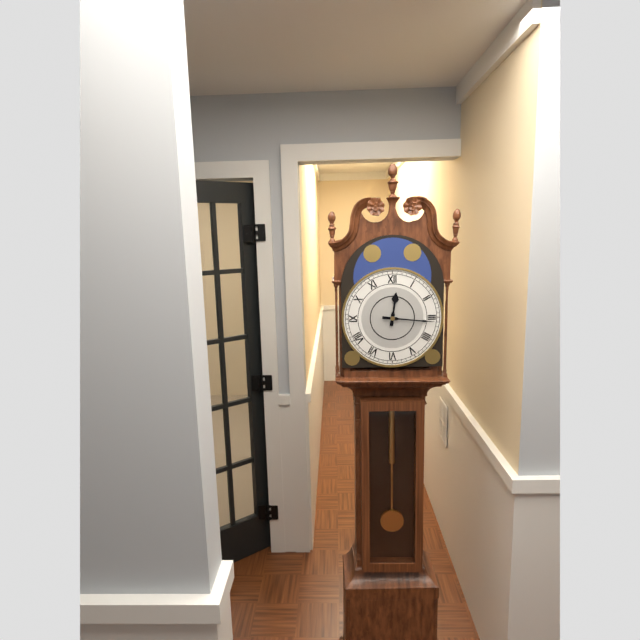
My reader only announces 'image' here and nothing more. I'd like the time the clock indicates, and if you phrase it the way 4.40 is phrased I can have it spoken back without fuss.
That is 12.16
